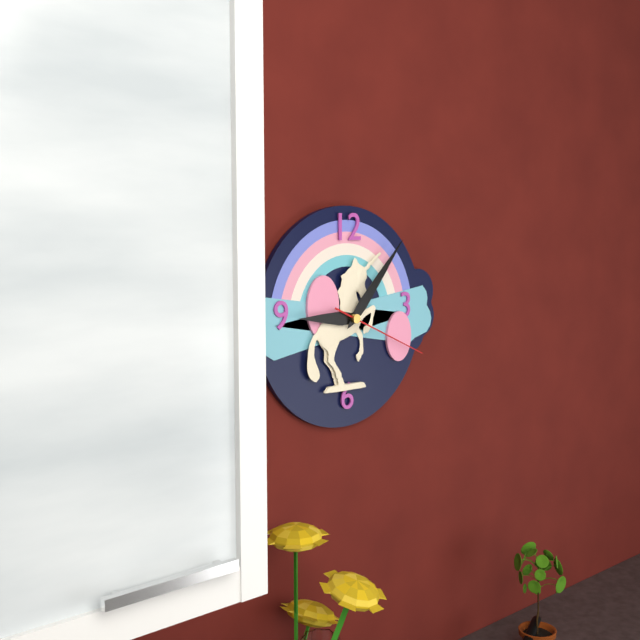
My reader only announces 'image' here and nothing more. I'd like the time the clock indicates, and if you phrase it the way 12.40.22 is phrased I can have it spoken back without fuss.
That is 9.07.19
